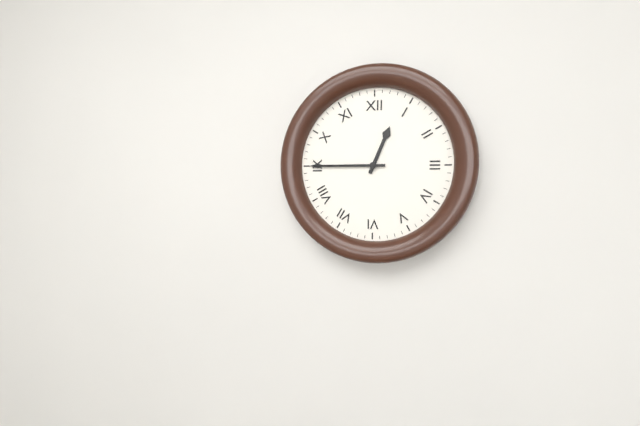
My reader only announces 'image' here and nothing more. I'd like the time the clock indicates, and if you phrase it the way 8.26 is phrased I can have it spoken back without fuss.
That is 12.45
